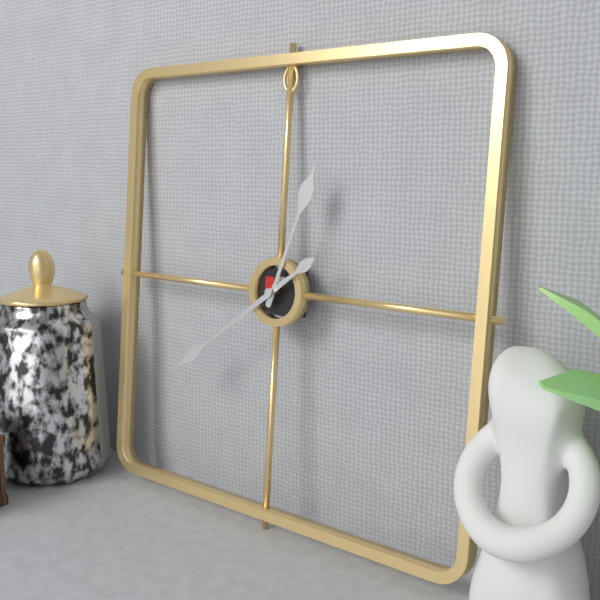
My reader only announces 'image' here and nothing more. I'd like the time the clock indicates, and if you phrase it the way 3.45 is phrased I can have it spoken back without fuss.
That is 12.39
